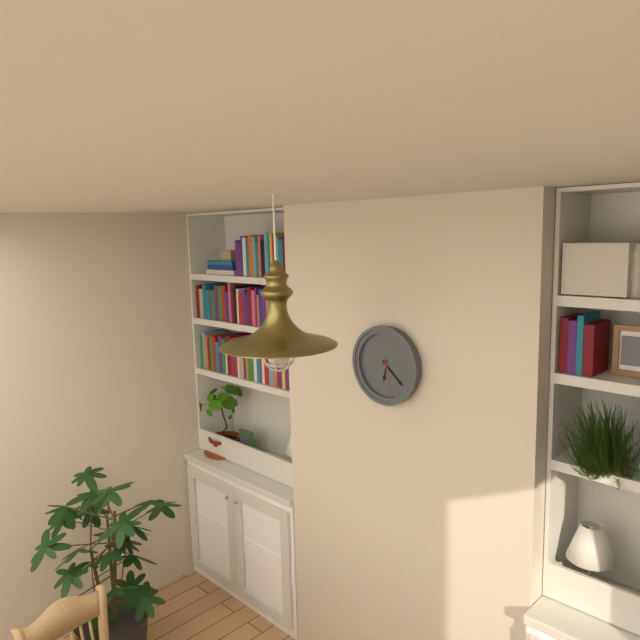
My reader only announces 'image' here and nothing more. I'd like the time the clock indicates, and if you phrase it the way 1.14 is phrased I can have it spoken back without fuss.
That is 6.22
